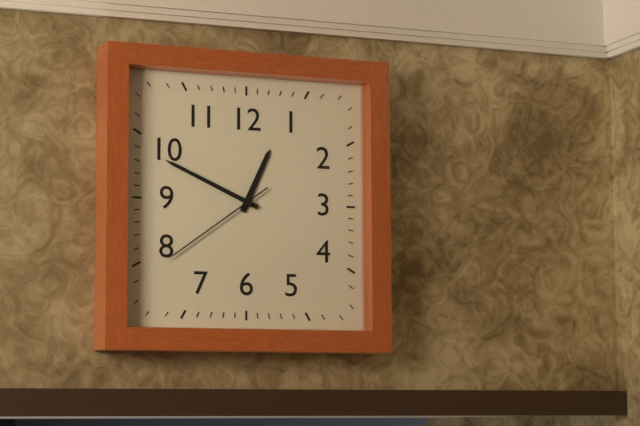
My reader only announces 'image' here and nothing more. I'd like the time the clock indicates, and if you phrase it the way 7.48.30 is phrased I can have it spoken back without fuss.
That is 12.49.39
